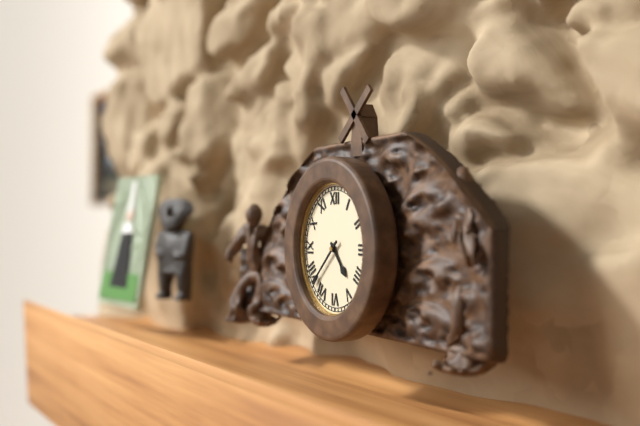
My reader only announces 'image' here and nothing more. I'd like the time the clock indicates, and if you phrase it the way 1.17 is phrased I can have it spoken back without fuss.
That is 4.38
